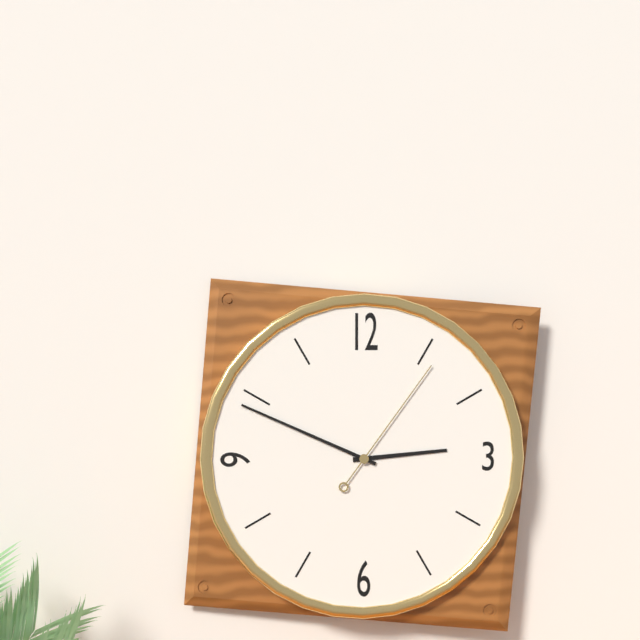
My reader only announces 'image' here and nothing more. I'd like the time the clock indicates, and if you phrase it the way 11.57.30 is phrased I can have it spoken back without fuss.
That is 2.49.06
